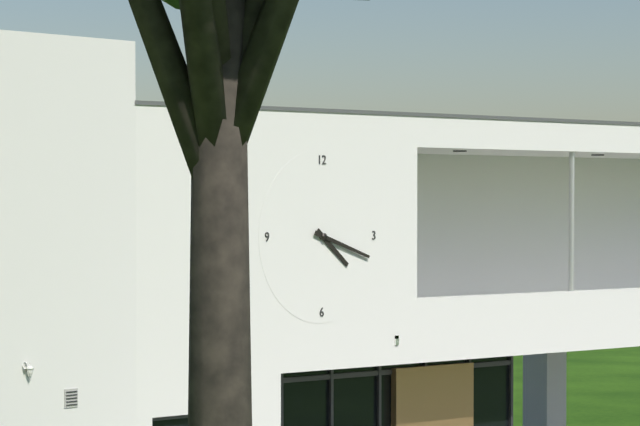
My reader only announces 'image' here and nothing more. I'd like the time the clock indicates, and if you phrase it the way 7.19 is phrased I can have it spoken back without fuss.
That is 4.18
